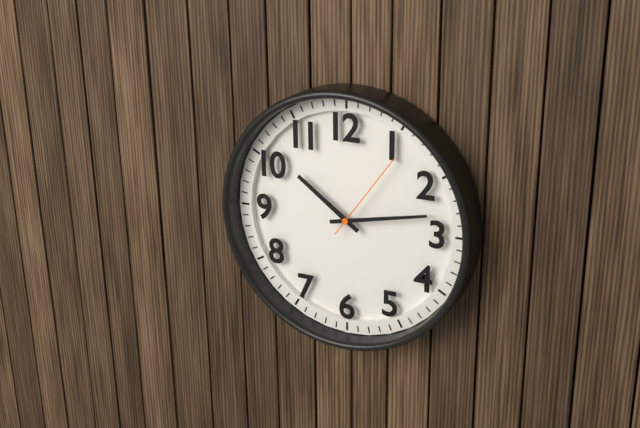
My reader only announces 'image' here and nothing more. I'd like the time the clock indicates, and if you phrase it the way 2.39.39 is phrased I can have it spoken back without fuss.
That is 10.13.06
